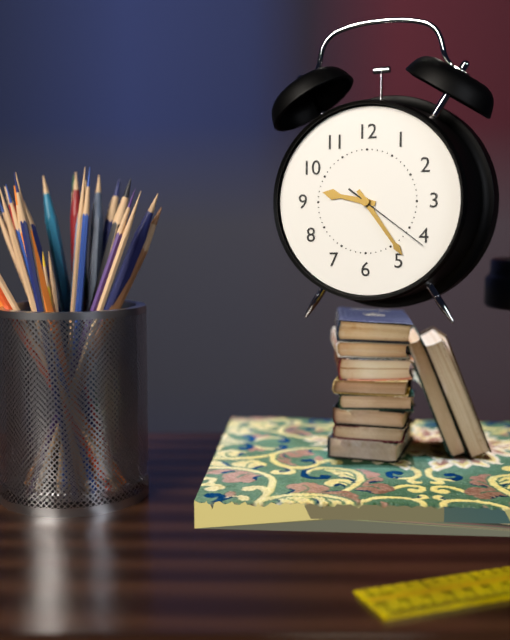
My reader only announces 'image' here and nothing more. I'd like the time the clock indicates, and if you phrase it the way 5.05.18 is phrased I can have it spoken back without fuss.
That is 9.24.21
